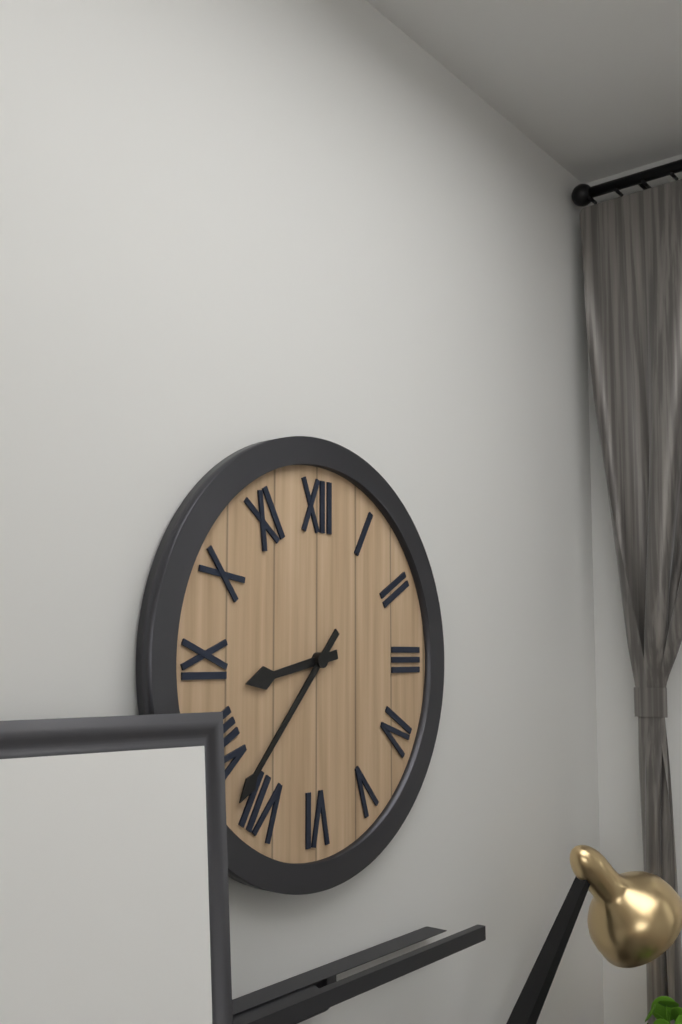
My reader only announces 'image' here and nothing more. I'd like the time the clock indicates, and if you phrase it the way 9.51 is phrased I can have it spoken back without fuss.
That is 8.37
